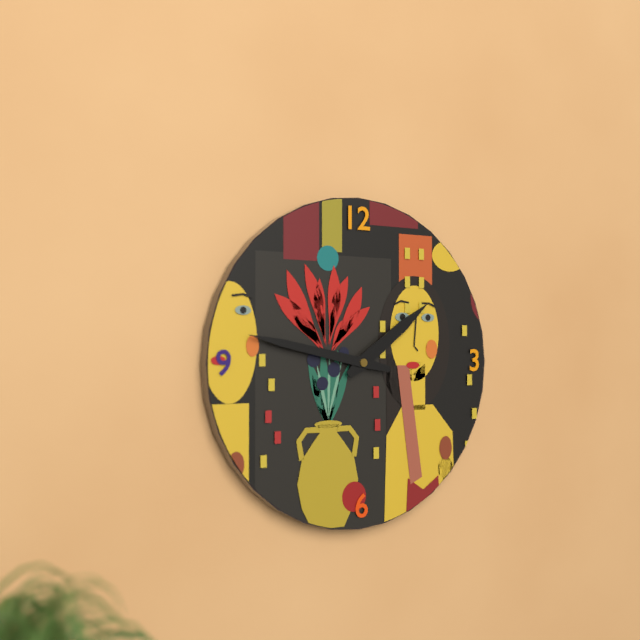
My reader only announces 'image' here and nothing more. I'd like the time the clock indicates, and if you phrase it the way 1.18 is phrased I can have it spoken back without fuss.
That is 1.47
